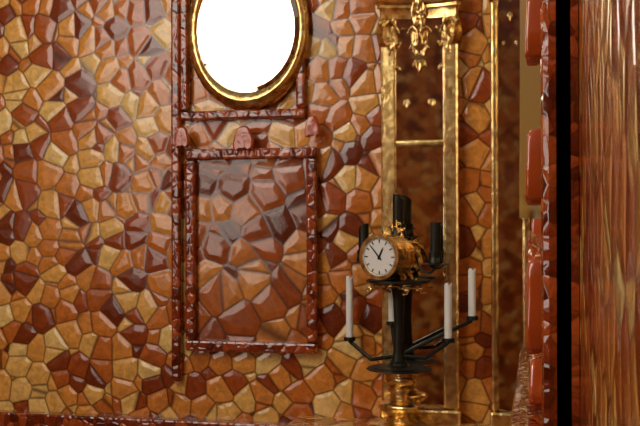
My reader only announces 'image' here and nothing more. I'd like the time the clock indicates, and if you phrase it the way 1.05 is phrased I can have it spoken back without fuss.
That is 12.53
